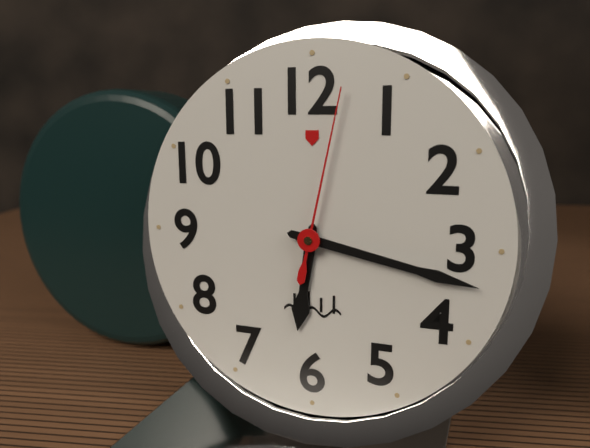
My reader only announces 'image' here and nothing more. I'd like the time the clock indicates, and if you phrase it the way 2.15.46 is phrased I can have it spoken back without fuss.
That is 6.17.02
